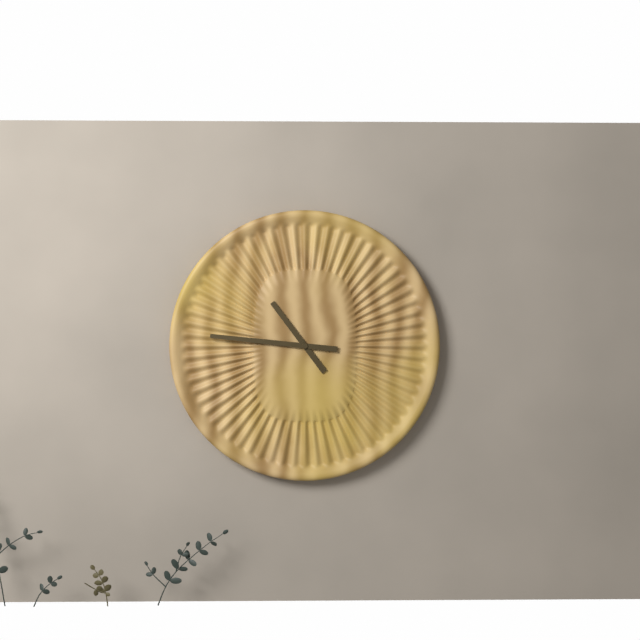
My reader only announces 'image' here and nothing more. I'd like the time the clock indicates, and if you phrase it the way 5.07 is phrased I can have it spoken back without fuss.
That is 10.46
